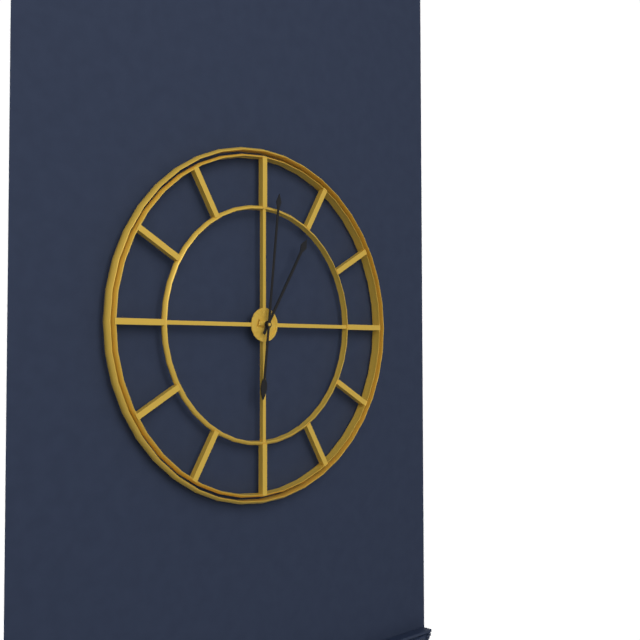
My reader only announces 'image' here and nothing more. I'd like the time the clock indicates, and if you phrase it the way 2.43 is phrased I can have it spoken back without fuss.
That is 1.01
